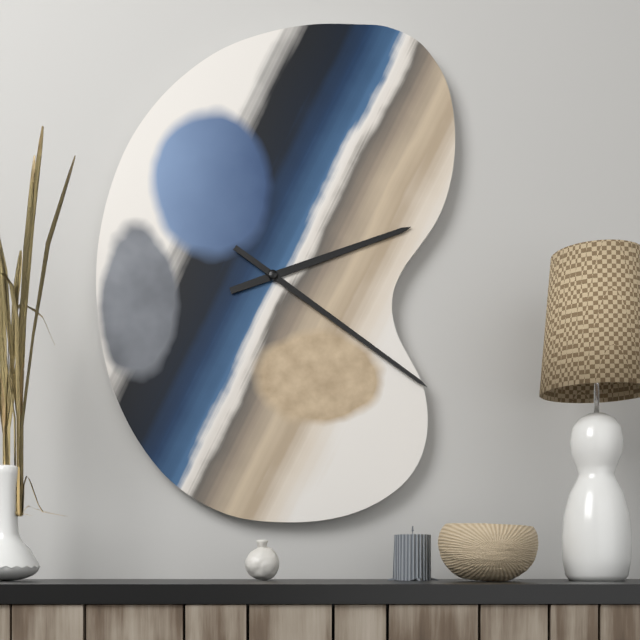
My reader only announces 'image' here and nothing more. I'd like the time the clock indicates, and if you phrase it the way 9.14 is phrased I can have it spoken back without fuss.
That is 2.21
